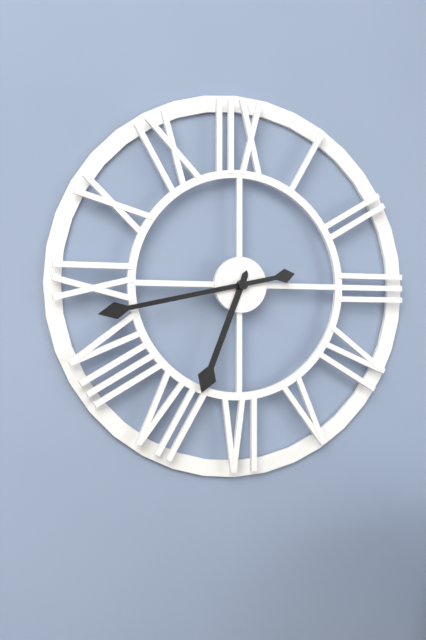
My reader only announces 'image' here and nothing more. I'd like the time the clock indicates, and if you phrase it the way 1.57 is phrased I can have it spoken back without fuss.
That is 6.43
